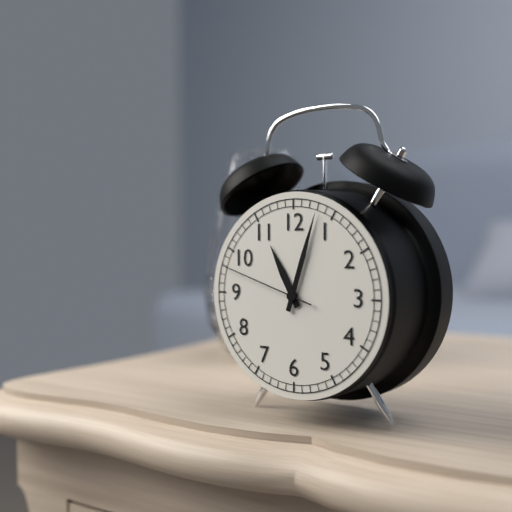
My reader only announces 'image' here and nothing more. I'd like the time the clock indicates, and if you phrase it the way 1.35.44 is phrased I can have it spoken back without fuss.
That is 11.03.48
